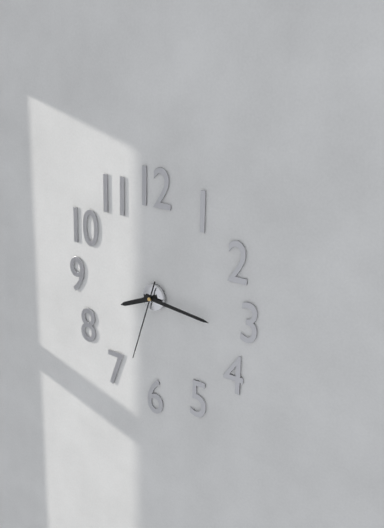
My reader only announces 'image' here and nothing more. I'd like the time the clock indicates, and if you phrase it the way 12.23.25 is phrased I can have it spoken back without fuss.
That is 8.16.33
